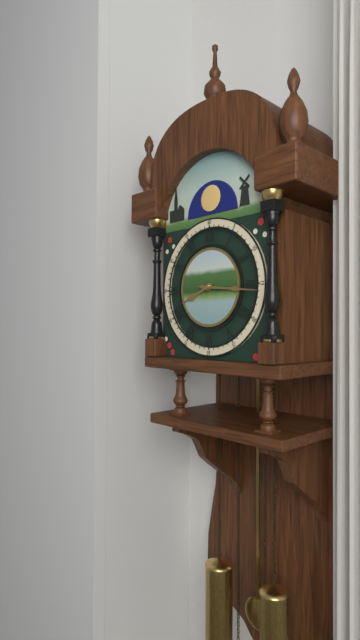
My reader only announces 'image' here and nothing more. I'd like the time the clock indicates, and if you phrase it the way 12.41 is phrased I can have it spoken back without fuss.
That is 8.16
